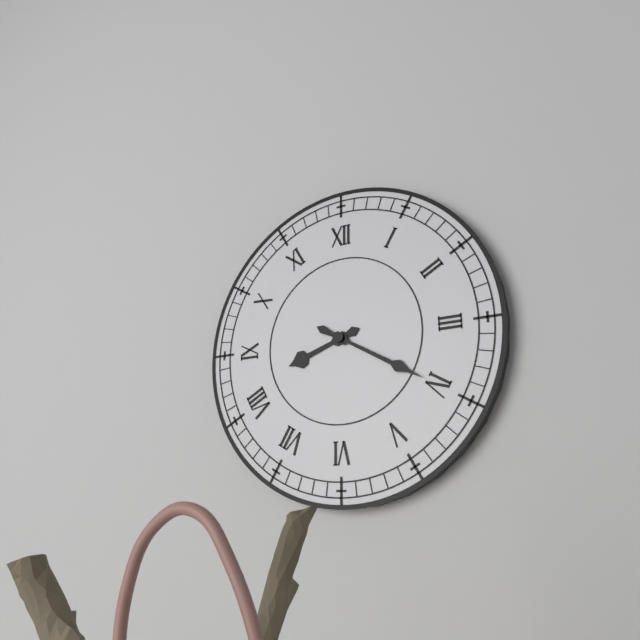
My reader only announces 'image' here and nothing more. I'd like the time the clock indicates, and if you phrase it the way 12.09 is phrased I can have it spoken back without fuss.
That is 8.20
